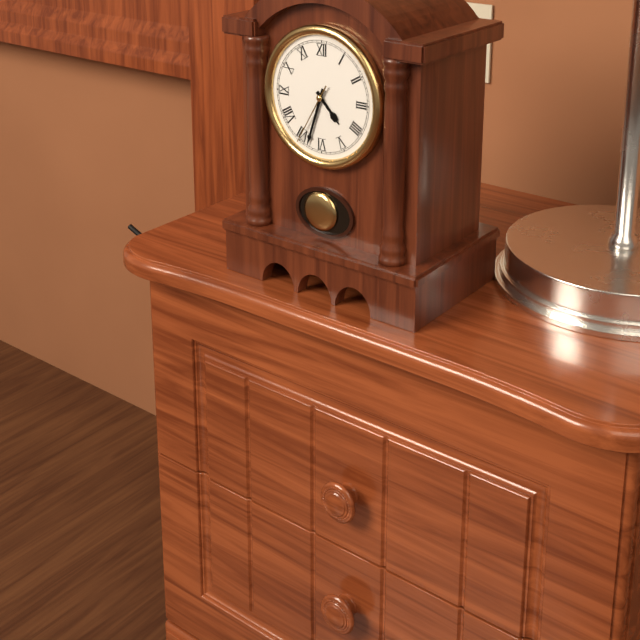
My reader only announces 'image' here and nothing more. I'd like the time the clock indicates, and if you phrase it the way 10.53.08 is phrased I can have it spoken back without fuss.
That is 4.33.35
